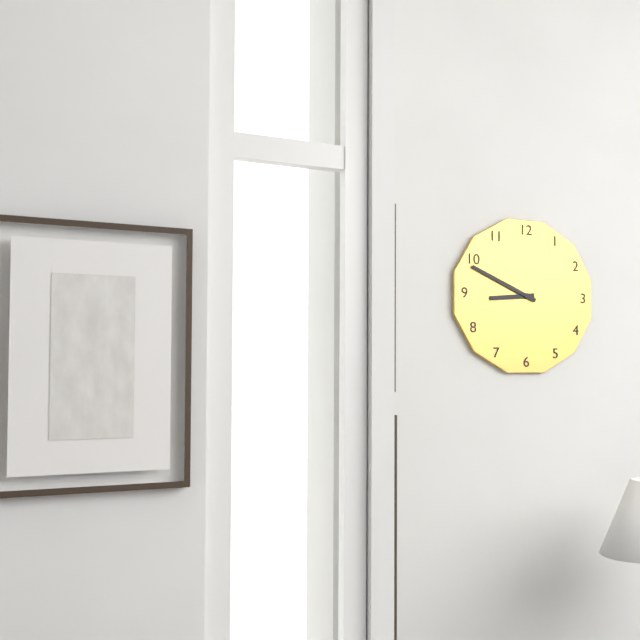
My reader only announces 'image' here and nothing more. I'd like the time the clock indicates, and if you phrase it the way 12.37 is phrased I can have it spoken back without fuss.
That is 8.49
